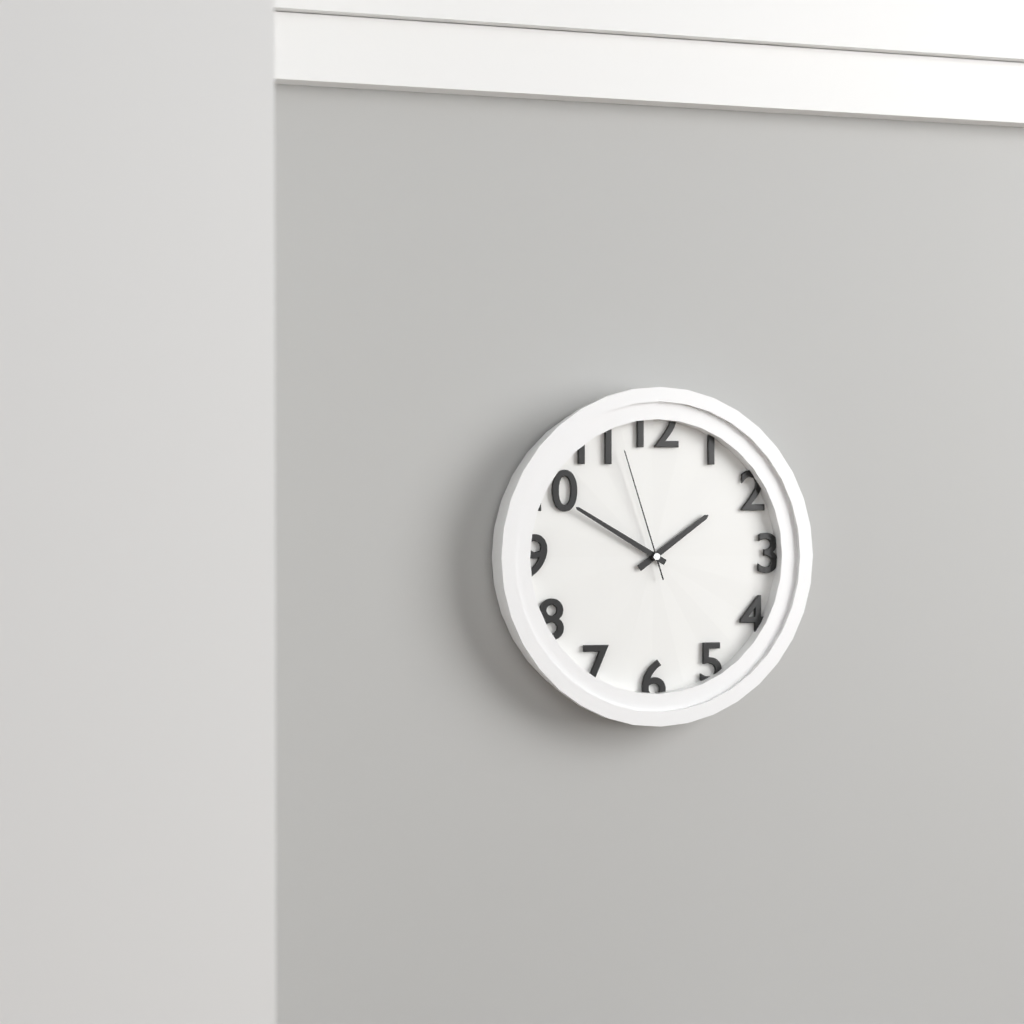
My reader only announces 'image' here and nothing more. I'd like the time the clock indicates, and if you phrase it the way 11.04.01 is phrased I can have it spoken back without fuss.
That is 1.50.57
